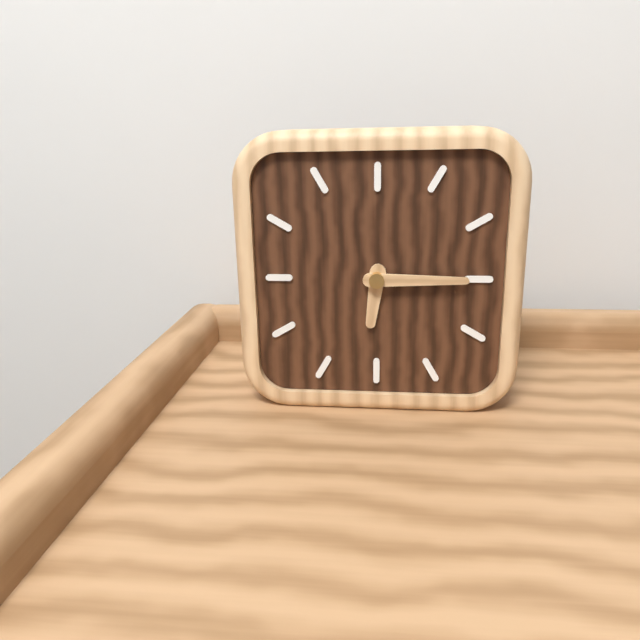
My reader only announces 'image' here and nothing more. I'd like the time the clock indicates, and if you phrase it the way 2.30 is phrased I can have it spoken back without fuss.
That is 6.15
